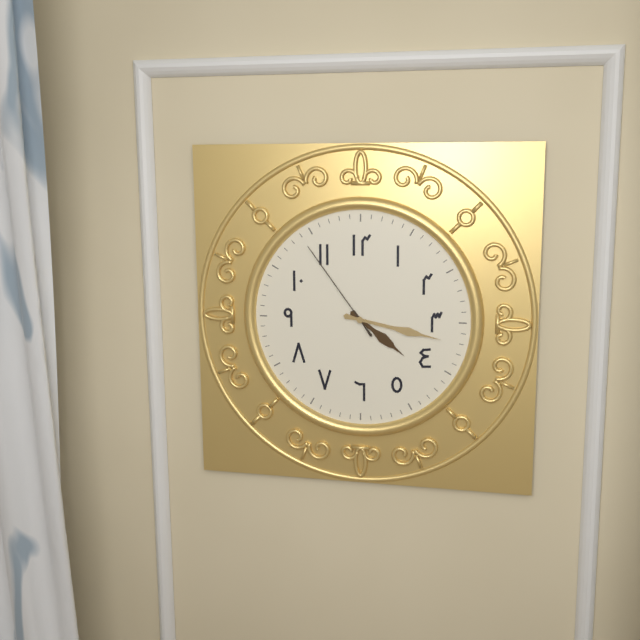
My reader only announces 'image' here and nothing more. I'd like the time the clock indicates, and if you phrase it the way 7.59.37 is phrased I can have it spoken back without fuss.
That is 4.17.54
